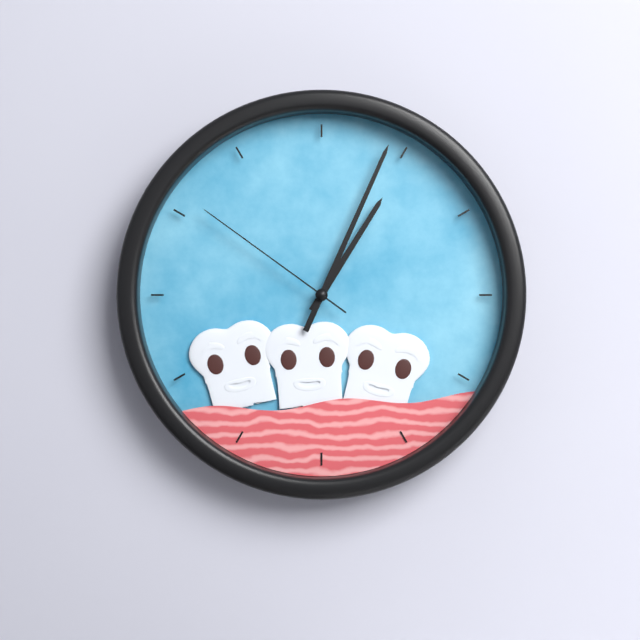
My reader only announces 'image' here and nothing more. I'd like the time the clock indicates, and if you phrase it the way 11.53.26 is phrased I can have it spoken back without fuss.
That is 1.04.51
